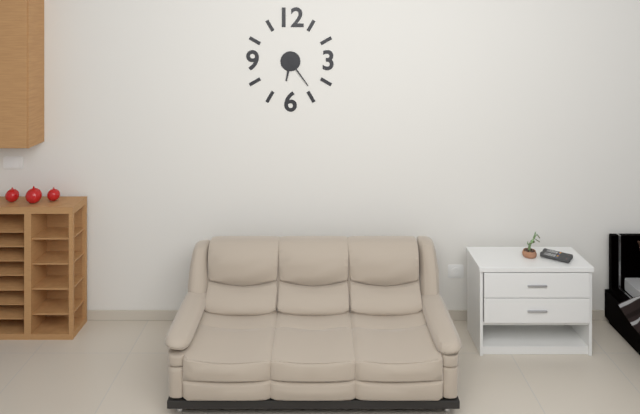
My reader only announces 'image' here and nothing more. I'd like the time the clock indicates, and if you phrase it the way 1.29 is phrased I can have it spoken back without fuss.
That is 6.24
